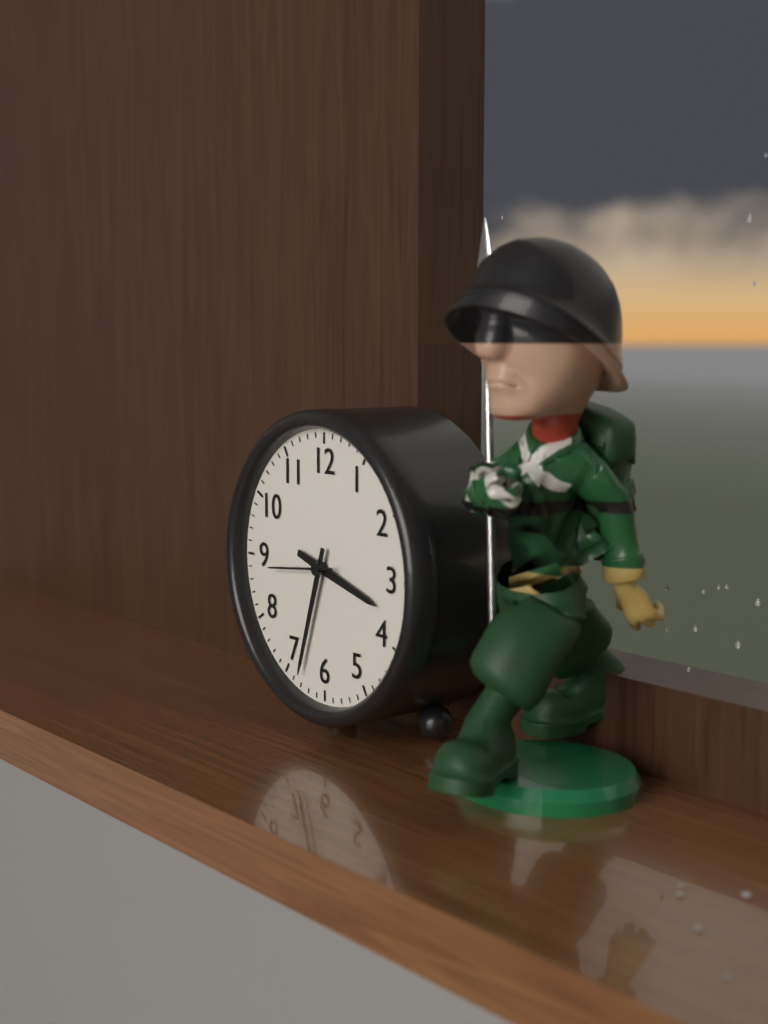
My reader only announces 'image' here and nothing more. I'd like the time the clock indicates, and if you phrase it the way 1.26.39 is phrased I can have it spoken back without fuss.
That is 3.33.44
